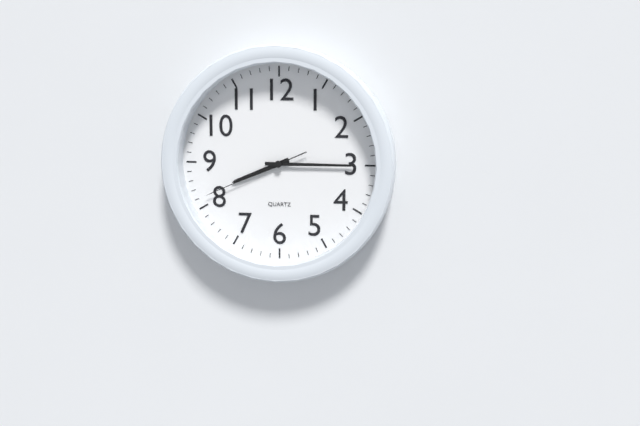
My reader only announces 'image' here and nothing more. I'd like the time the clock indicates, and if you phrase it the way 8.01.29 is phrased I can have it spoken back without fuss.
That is 8.15.41
